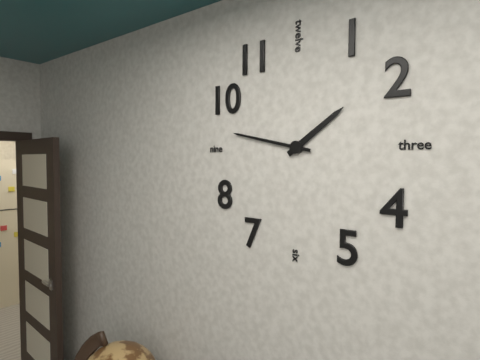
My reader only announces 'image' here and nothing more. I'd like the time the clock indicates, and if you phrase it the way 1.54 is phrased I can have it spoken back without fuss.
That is 1.47
